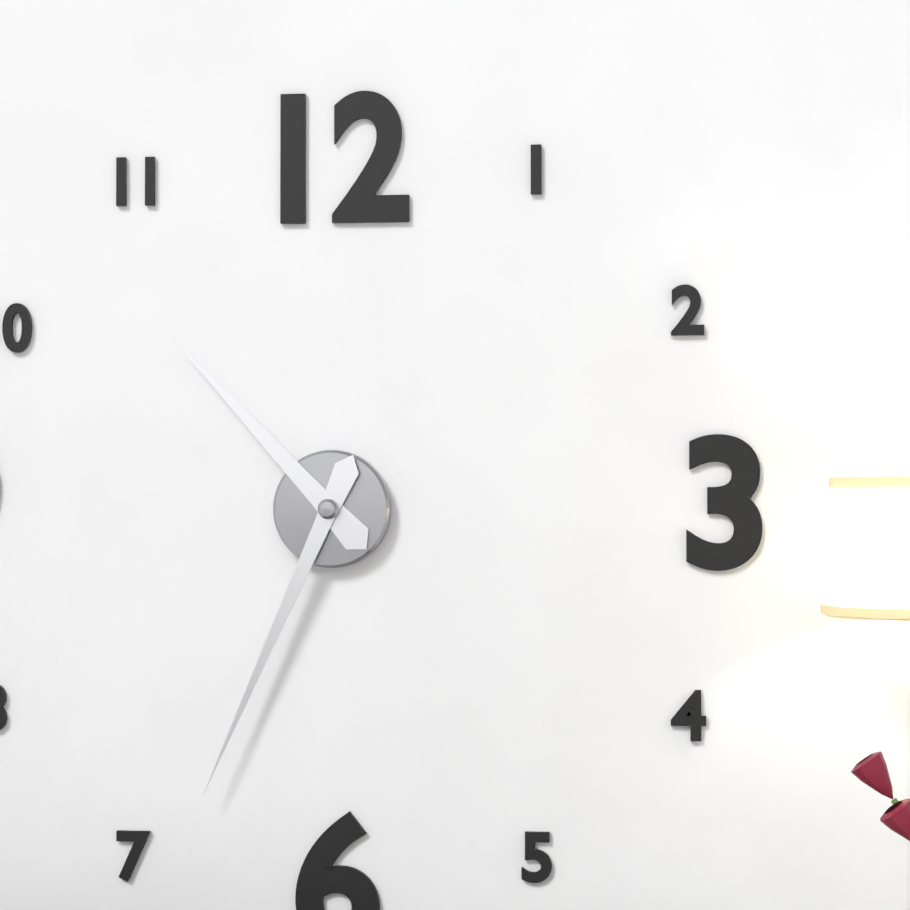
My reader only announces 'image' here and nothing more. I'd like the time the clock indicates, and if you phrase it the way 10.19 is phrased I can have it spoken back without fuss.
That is 10.34
